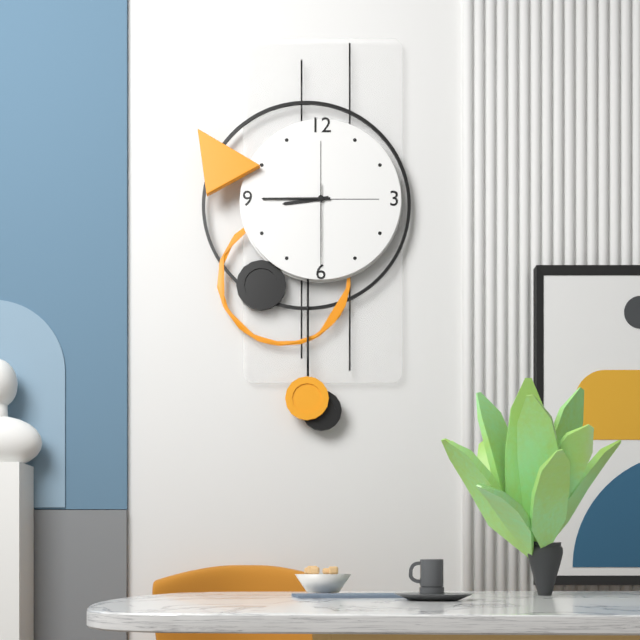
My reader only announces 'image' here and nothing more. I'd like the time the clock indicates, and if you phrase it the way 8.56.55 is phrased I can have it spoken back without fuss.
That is 8.45.30
